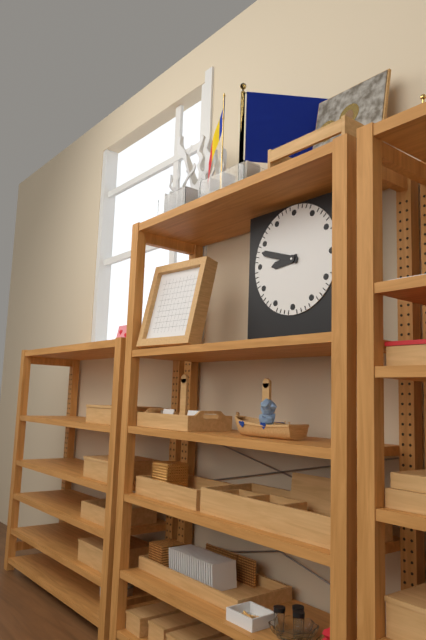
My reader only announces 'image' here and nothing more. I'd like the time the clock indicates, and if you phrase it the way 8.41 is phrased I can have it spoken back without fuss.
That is 8.48
